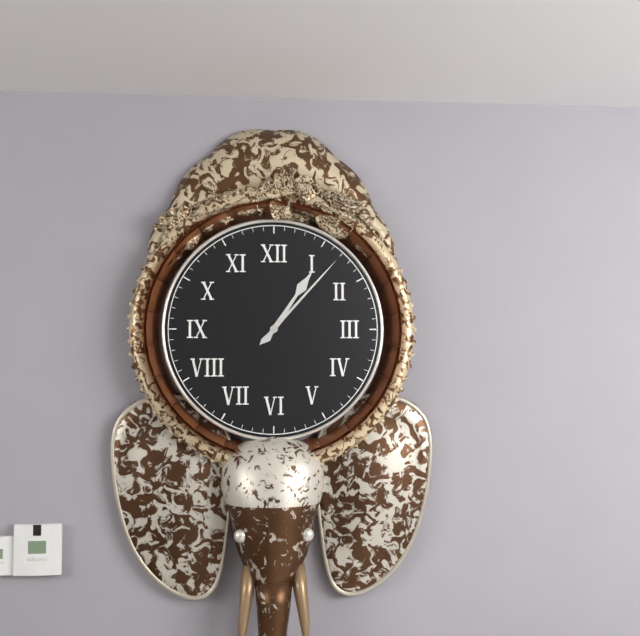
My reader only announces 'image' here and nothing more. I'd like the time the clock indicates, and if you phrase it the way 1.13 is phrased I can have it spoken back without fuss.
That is 1.07
